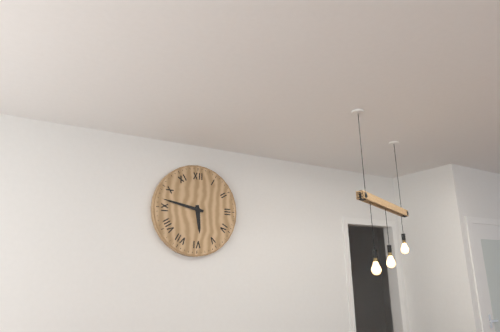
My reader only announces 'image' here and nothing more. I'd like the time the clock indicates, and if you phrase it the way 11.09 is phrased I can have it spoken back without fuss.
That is 5.47
